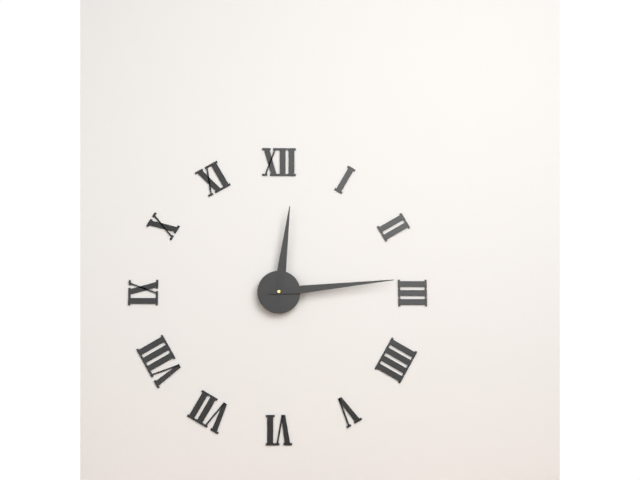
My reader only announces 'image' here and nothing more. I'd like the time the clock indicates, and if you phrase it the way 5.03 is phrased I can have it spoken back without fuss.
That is 12.14
